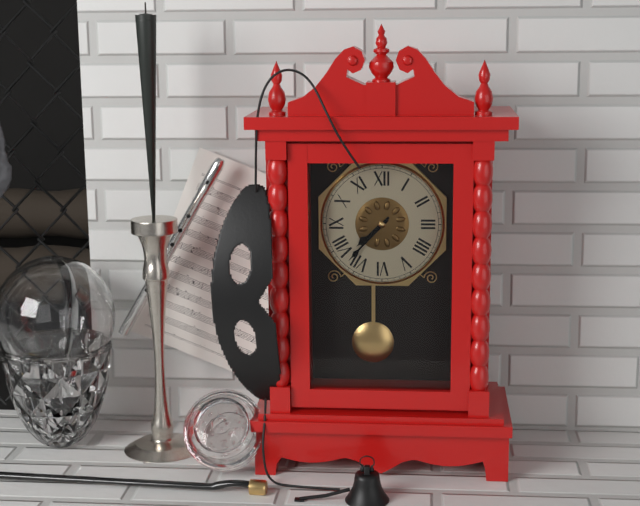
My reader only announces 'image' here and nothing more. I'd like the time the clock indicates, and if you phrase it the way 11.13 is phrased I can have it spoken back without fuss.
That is 7.37
